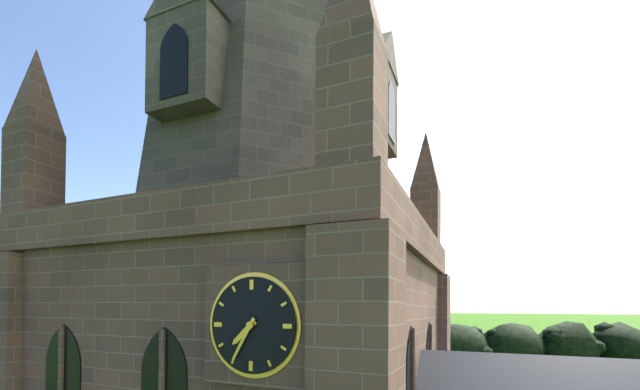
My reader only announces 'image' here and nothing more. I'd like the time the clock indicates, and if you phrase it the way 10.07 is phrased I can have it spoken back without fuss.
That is 7.35
